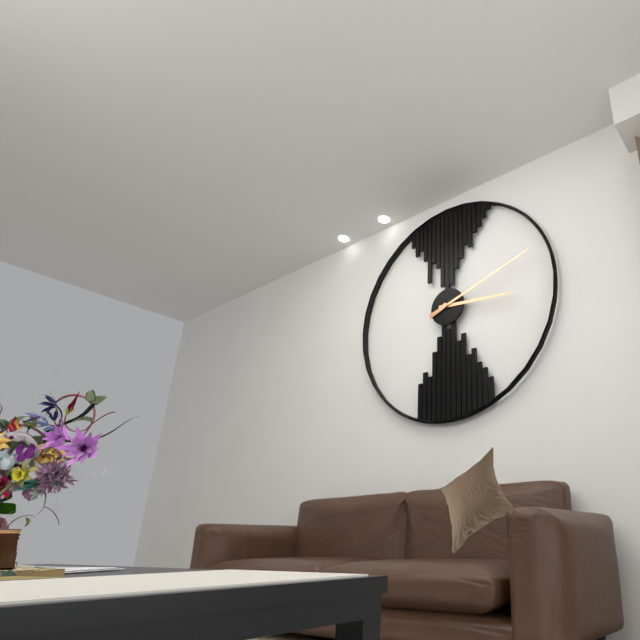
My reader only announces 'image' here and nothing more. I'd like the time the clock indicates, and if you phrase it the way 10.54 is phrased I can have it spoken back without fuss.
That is 3.12
